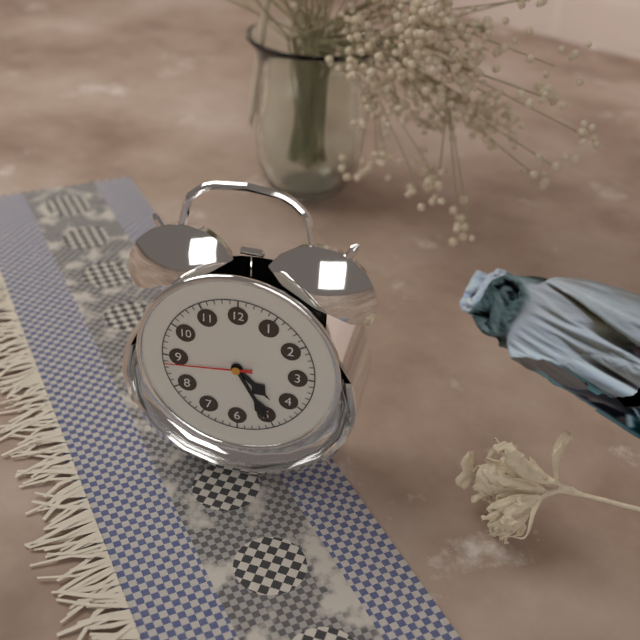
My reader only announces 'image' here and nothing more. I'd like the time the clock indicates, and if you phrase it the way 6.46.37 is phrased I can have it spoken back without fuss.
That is 4.25.44
